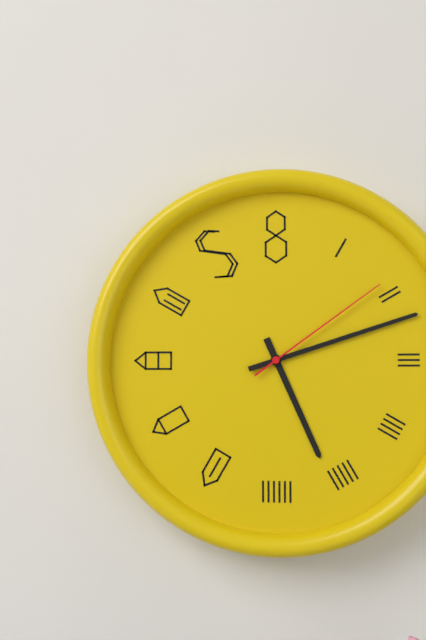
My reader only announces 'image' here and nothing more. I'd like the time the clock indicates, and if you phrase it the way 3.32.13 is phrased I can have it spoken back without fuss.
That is 5.12.09
